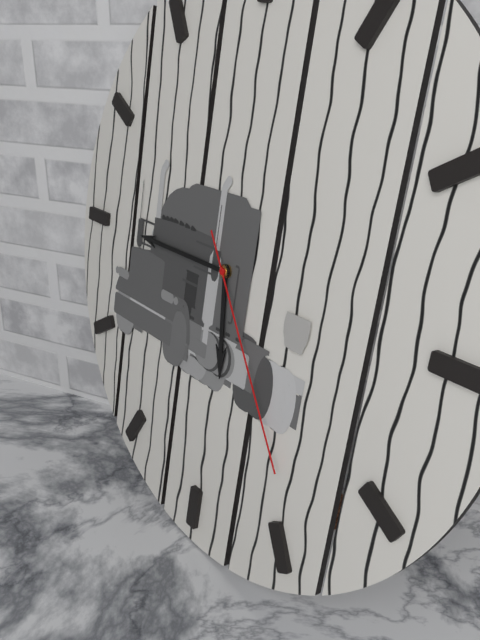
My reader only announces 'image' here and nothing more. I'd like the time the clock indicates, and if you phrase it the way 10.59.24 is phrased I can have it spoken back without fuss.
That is 5.45.24
